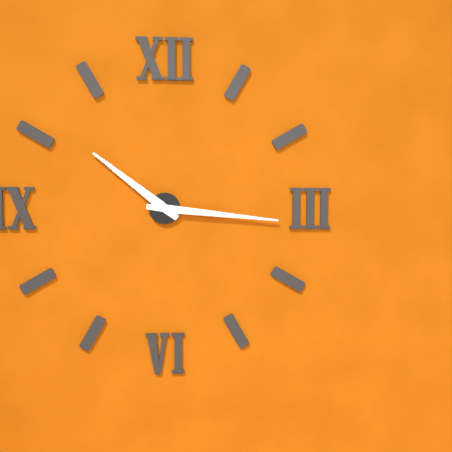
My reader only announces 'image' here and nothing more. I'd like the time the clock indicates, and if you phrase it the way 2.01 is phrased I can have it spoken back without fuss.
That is 10.16
